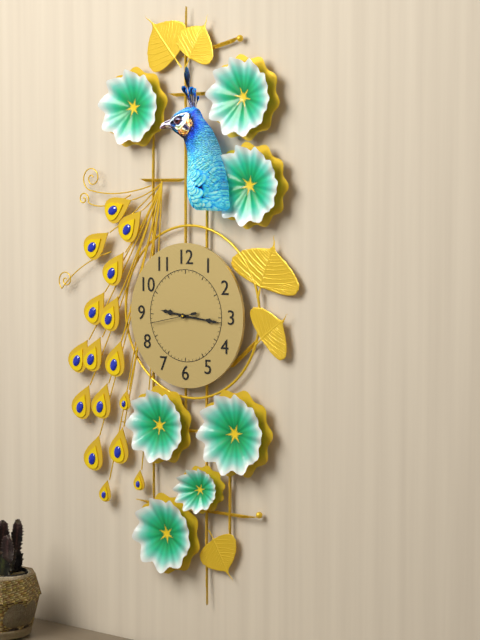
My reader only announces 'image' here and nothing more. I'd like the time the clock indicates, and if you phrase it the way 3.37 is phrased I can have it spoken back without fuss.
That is 9.16
